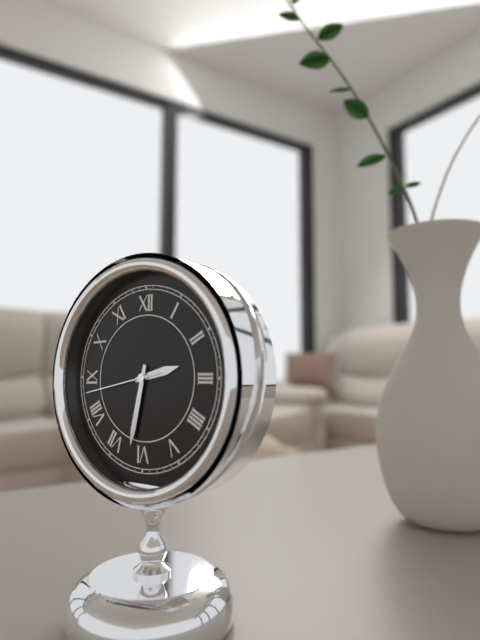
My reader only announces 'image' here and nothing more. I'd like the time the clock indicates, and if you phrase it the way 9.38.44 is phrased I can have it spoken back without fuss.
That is 2.32.43
